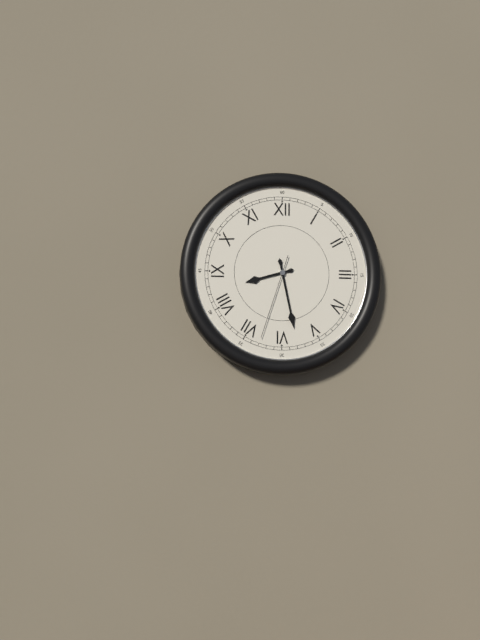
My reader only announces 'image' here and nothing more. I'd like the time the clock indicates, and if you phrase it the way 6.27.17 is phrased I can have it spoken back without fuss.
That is 8.28.33
